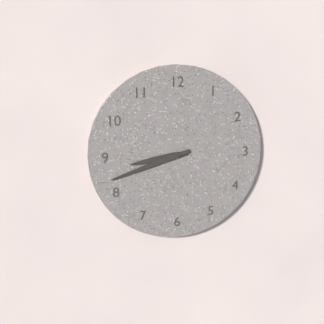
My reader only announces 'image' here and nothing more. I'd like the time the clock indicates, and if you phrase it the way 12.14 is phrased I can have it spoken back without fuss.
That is 8.42
